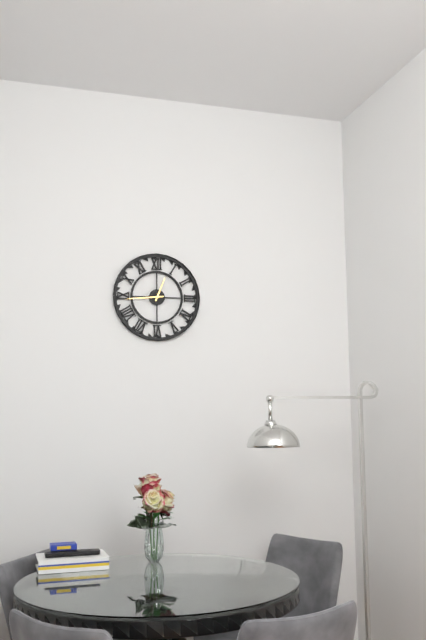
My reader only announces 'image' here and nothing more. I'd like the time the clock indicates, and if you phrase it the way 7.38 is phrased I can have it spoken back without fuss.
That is 12.44
